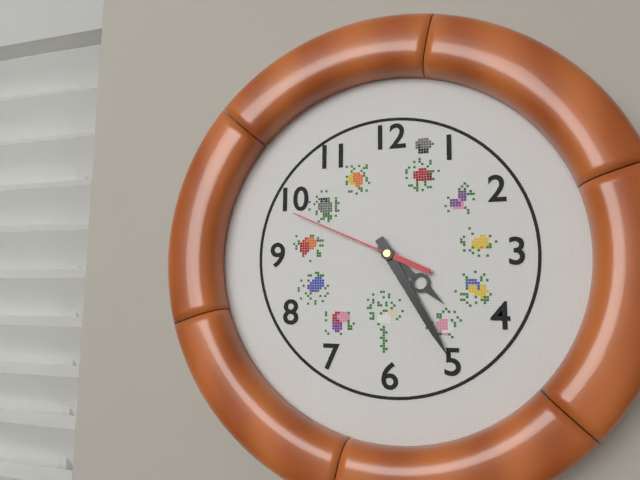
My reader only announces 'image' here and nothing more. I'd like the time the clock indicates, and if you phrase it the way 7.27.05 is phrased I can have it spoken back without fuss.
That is 4.25.49
